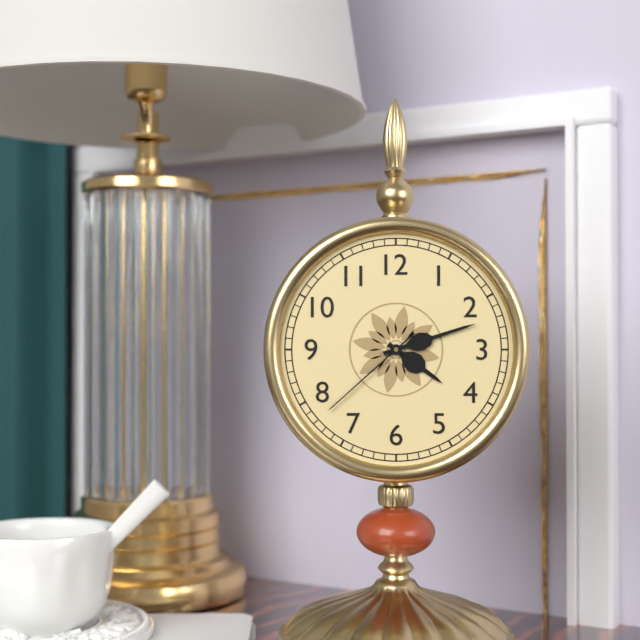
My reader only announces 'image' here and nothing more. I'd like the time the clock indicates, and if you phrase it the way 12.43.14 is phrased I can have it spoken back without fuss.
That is 4.12.38
